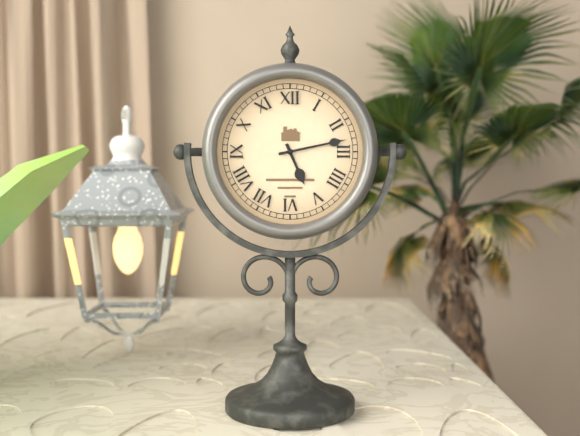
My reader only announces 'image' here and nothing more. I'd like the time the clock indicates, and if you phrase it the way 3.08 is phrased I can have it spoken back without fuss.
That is 5.13
